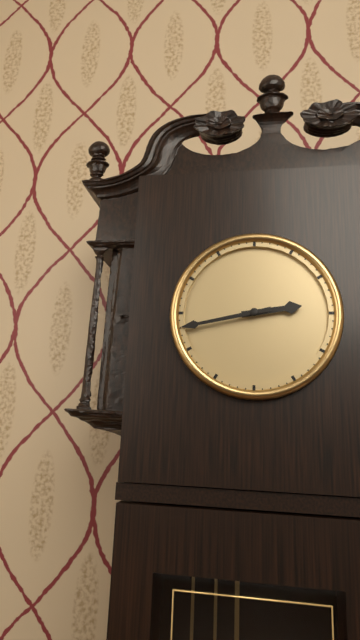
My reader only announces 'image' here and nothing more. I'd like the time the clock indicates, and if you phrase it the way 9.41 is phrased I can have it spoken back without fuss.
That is 2.43
